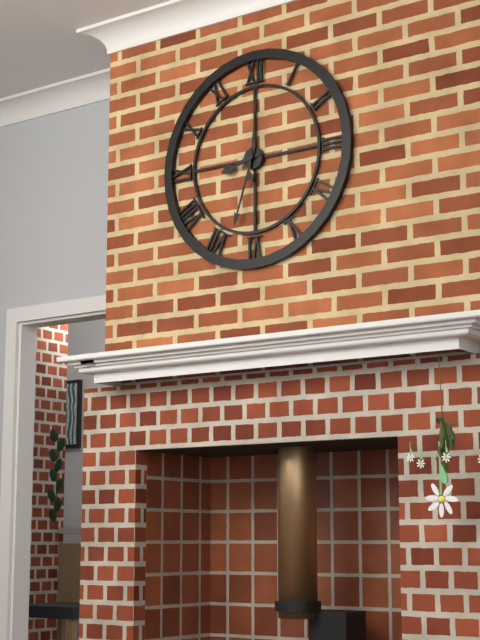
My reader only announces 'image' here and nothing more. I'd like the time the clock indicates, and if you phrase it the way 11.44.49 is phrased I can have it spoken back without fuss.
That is 8.33.01
